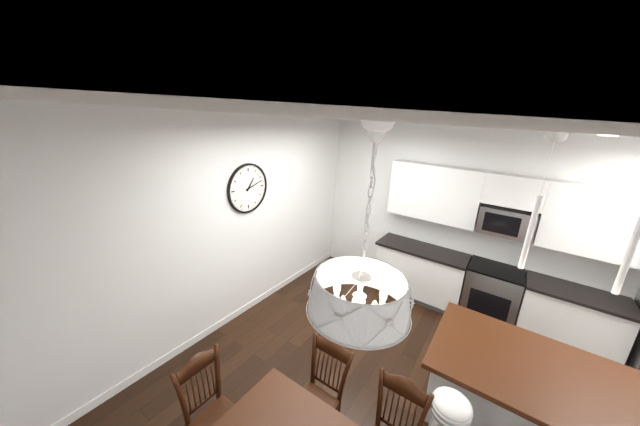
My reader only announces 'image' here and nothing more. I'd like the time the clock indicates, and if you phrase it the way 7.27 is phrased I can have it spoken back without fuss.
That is 1.12
